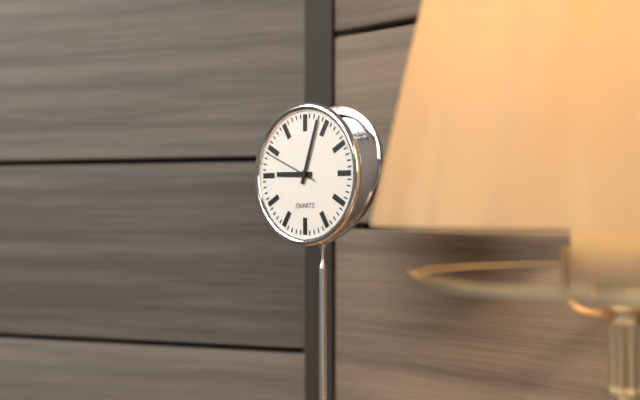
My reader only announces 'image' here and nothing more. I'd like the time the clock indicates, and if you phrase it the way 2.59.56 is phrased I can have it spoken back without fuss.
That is 9.03.49
